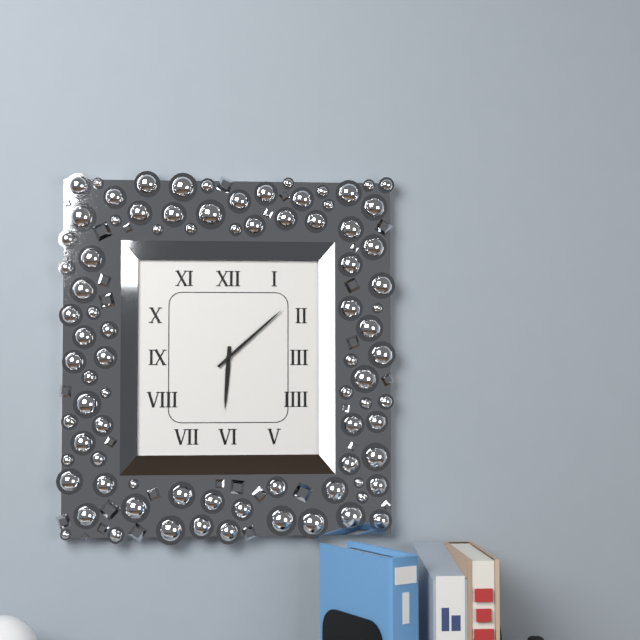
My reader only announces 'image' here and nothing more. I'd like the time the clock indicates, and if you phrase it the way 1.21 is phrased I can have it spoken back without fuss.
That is 6.08
